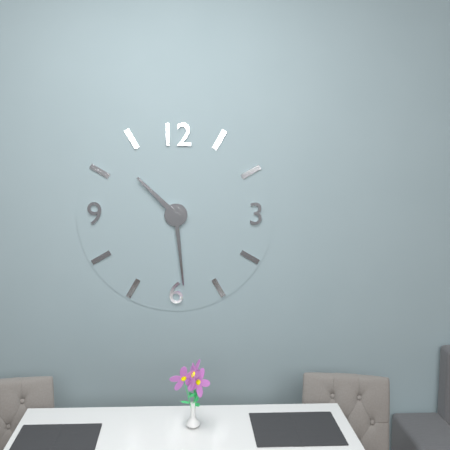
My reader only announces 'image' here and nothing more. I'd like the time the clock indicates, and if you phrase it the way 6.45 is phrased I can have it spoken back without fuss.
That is 10.29
